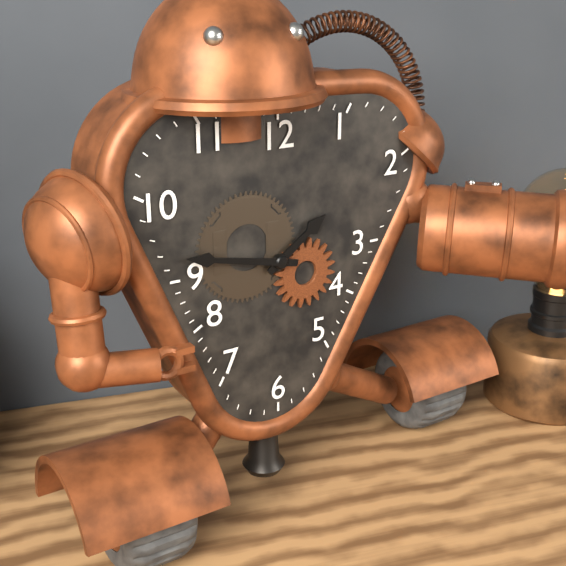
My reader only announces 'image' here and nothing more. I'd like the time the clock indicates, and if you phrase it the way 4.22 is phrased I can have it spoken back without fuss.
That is 1.47
